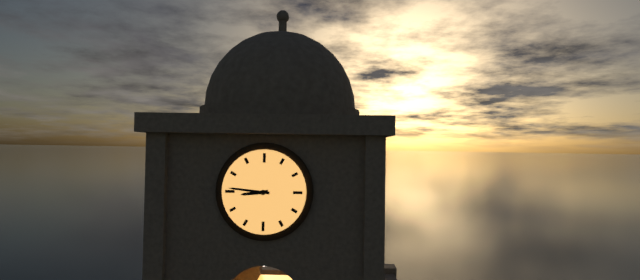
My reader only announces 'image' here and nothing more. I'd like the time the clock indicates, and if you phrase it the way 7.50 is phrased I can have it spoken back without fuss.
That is 8.46
